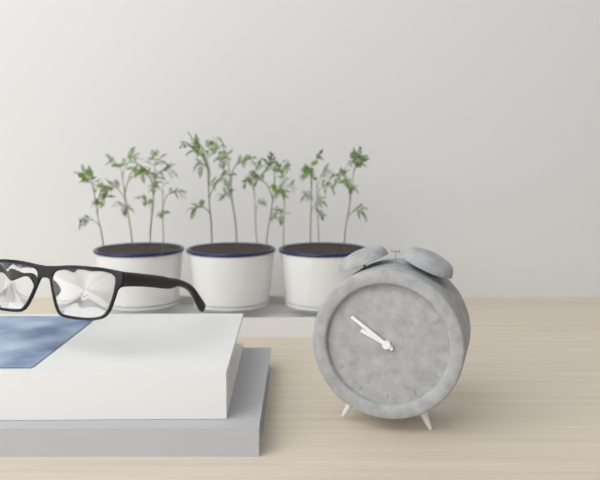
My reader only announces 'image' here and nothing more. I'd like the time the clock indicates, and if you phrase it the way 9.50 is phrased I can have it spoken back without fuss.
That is 9.51
